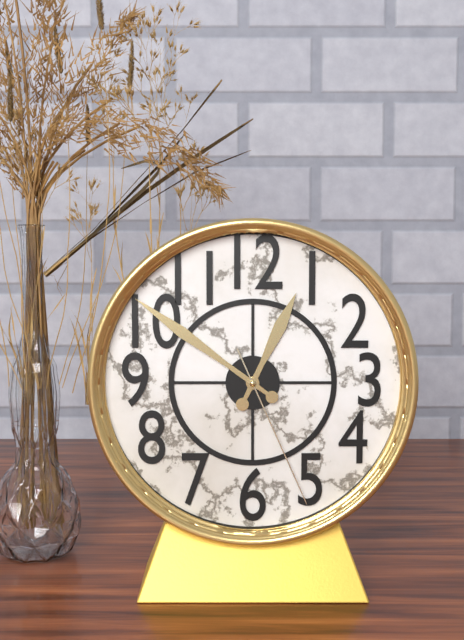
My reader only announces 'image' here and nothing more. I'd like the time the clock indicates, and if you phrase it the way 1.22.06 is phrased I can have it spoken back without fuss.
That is 12.51.26
